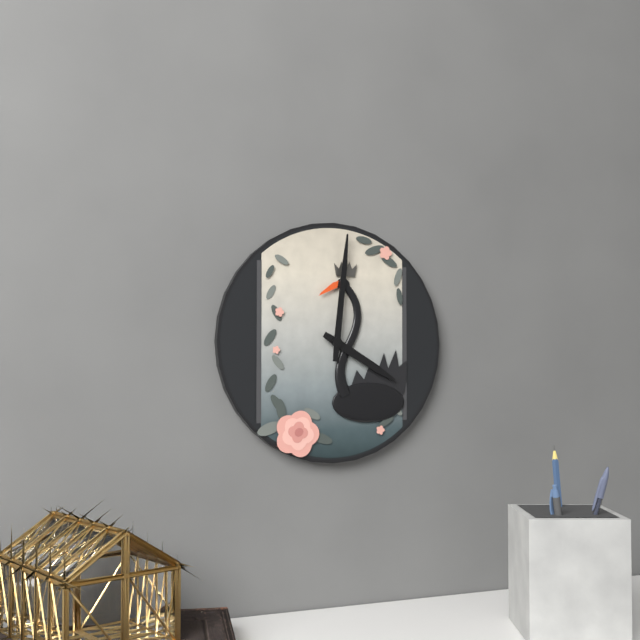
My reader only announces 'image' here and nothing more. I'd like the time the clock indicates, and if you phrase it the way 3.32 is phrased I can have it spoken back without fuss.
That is 4.01
